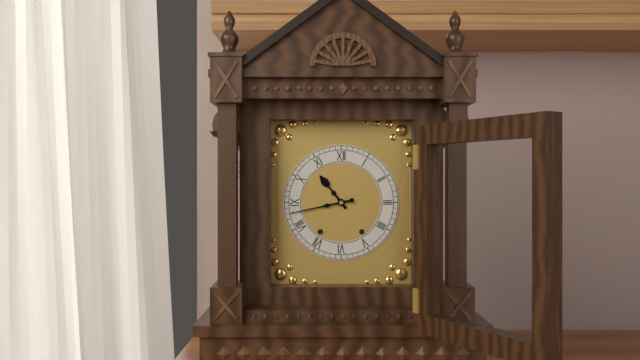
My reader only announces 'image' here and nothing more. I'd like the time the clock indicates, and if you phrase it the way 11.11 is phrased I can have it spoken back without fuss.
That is 10.43
